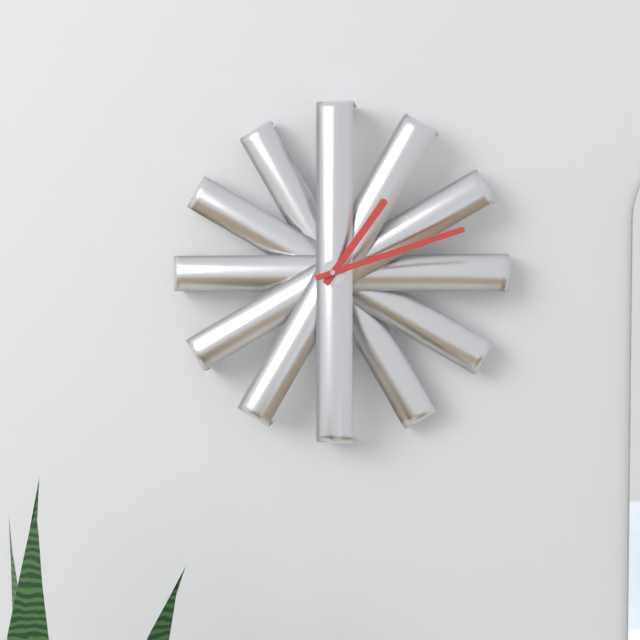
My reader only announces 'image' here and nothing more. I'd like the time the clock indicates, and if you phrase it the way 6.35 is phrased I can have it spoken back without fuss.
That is 1.12
